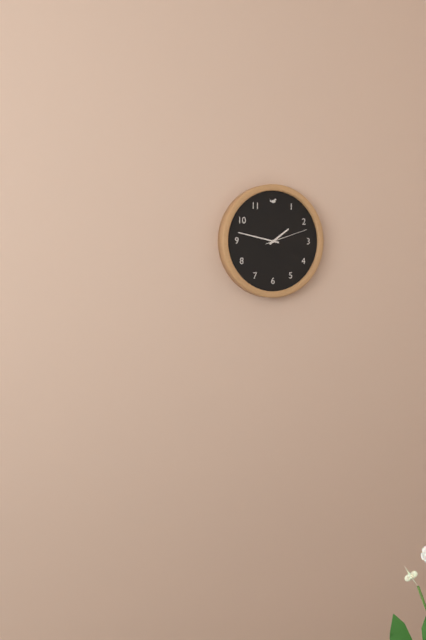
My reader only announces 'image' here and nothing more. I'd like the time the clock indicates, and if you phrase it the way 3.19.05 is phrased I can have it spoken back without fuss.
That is 1.47.12
